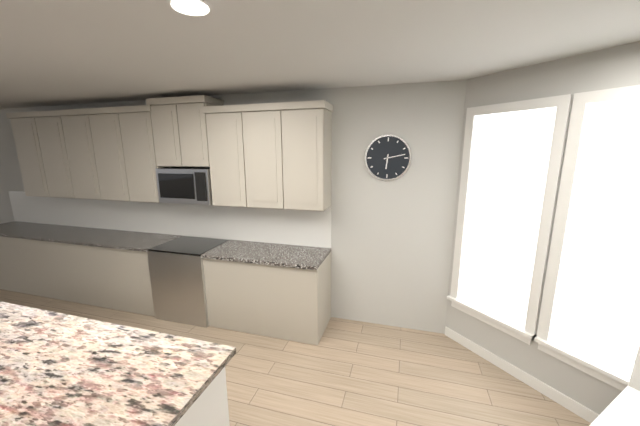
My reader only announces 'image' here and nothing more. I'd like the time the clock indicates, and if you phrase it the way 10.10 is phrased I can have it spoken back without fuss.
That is 6.13
